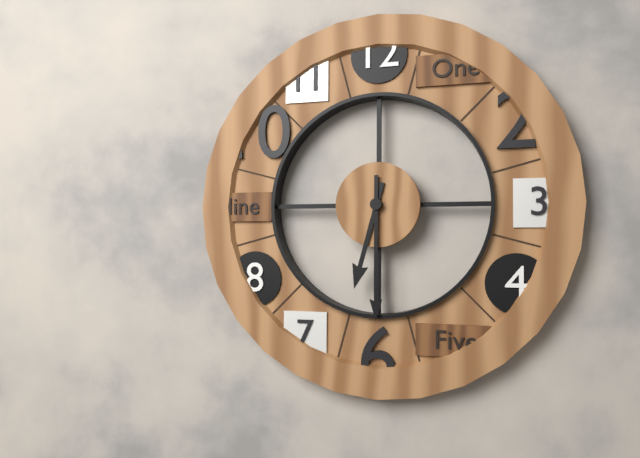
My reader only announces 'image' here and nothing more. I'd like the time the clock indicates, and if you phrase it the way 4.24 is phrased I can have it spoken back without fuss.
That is 6.30
